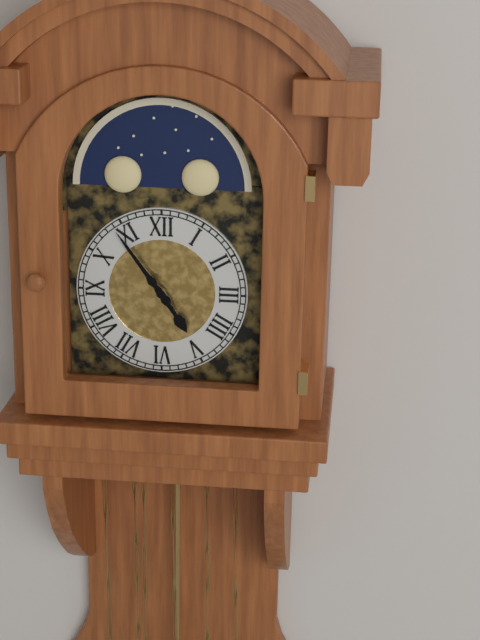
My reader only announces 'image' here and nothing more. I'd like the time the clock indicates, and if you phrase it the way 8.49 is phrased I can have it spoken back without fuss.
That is 4.54
